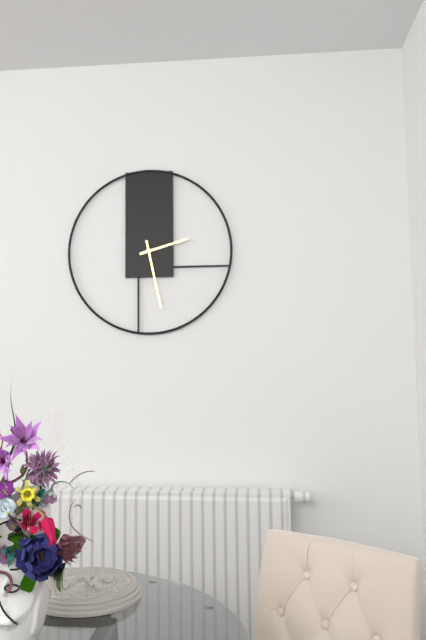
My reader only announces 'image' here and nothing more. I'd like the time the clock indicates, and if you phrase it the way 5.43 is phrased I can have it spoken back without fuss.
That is 2.28
